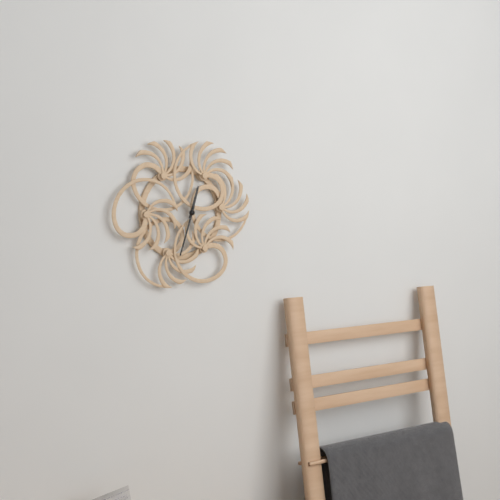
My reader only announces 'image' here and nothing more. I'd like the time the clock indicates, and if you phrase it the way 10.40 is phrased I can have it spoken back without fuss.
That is 12.33
